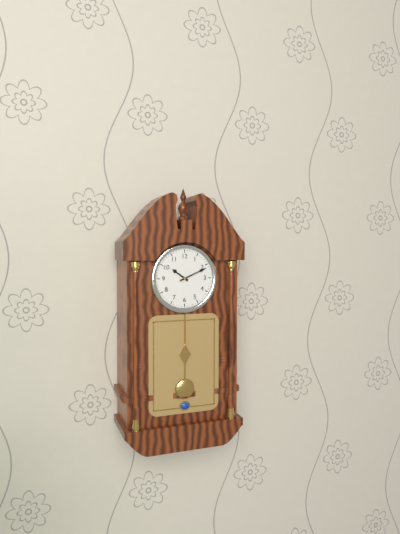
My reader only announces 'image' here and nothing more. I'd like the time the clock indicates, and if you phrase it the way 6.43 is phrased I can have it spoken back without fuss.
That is 10.11
